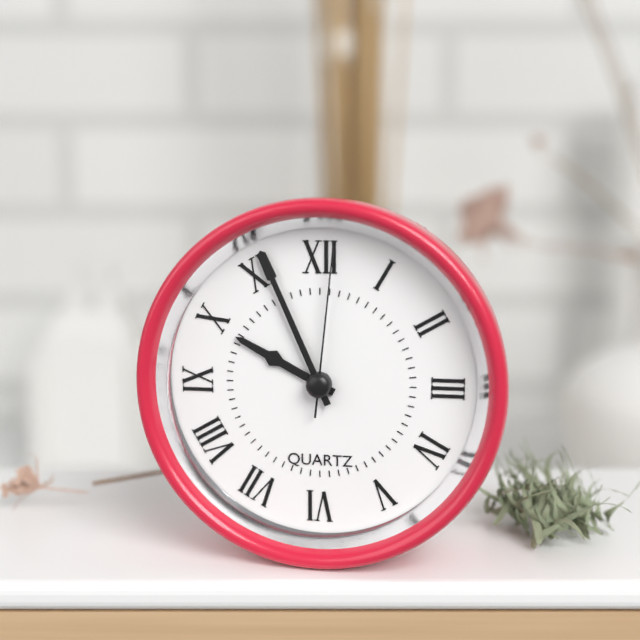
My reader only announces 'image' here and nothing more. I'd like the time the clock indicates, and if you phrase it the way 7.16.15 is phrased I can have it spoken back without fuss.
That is 9.56.01
